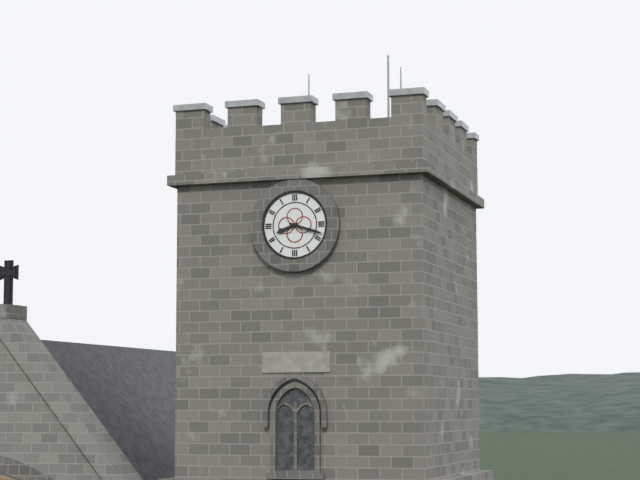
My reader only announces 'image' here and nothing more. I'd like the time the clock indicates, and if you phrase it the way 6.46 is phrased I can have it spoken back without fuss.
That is 8.18
